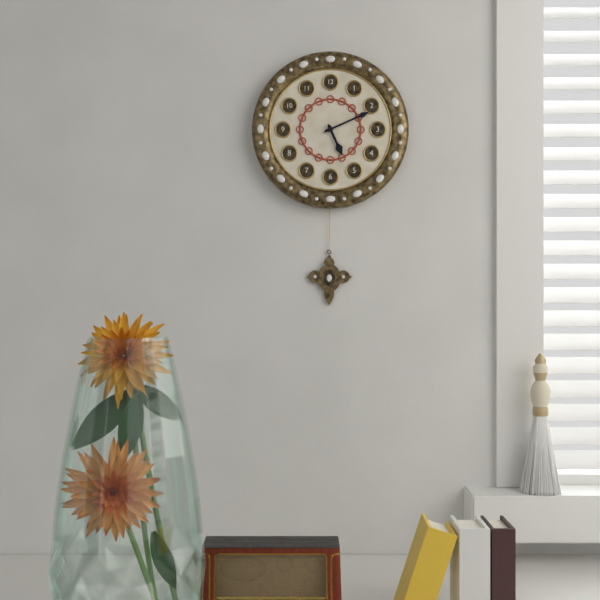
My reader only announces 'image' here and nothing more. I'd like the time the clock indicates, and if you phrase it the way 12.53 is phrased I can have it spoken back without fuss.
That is 5.11
